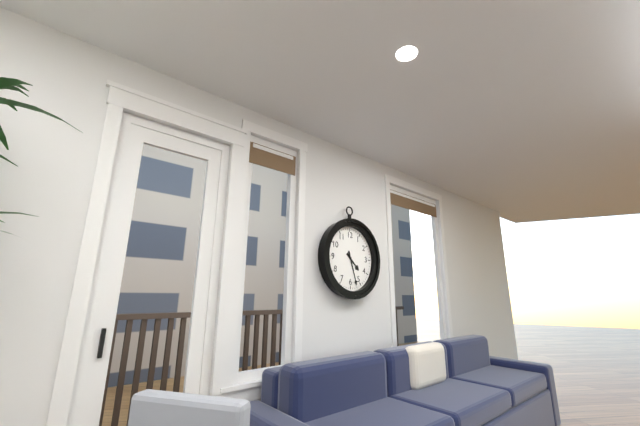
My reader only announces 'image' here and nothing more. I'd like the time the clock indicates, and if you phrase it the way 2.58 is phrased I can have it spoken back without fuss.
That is 4.27
